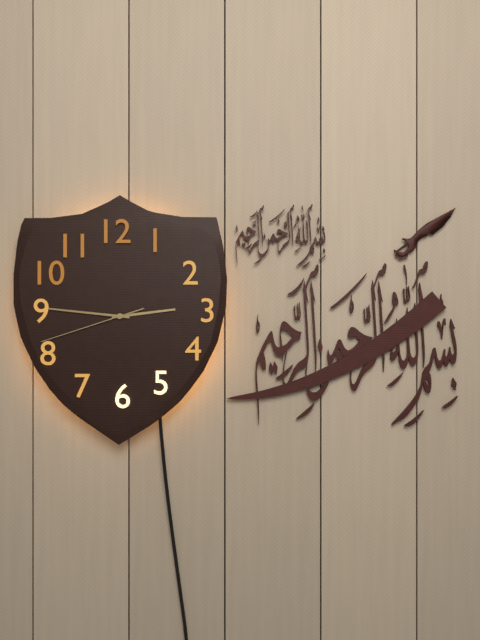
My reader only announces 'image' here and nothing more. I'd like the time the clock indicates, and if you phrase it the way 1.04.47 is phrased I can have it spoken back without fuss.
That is 2.46.42
